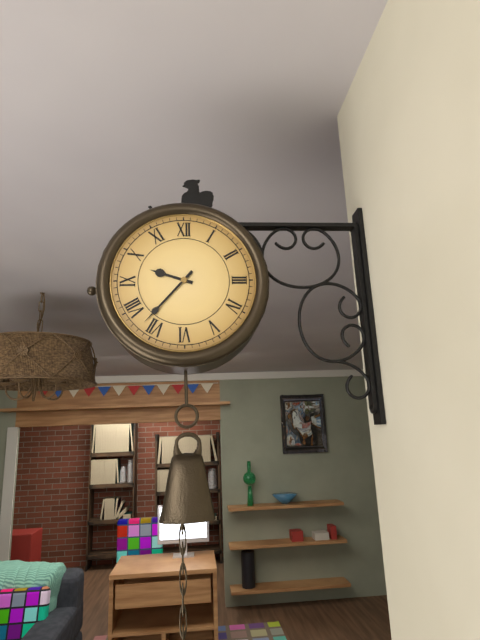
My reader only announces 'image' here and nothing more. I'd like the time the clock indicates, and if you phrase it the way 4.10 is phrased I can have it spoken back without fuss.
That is 9.37
